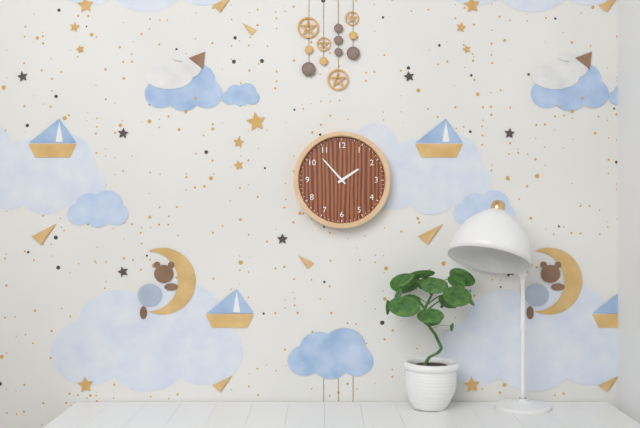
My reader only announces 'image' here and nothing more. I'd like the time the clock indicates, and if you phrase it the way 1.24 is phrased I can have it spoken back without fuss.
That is 1.53
